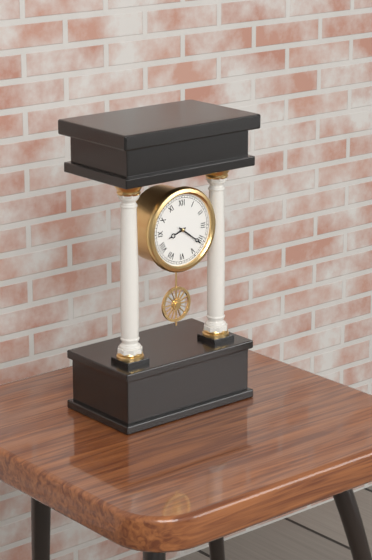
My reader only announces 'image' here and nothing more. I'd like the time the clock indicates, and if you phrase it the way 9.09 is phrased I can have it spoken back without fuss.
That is 8.21
